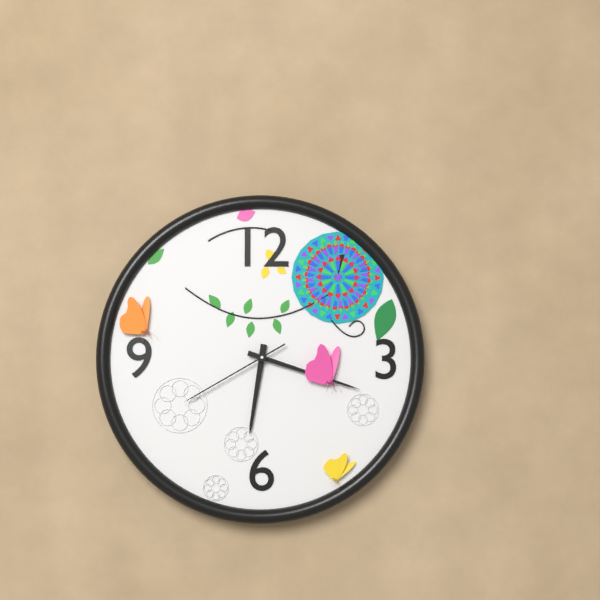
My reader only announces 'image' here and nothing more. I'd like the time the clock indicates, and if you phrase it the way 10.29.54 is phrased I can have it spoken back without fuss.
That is 6.18.40
